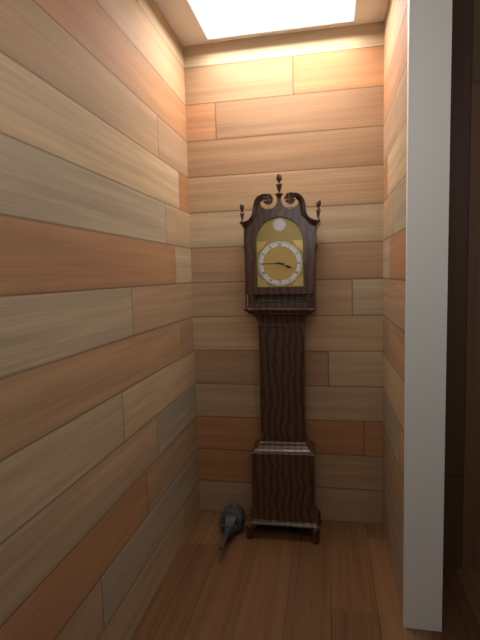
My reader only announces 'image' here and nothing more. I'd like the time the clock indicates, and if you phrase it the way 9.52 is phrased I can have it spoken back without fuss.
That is 3.45
